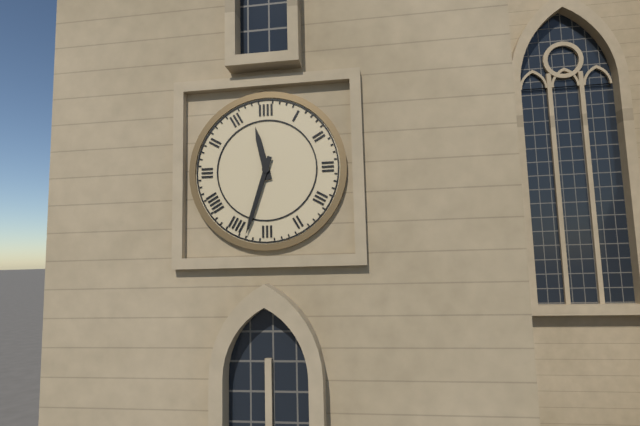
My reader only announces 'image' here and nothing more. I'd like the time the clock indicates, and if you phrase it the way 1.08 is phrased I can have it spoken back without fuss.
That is 11.33
